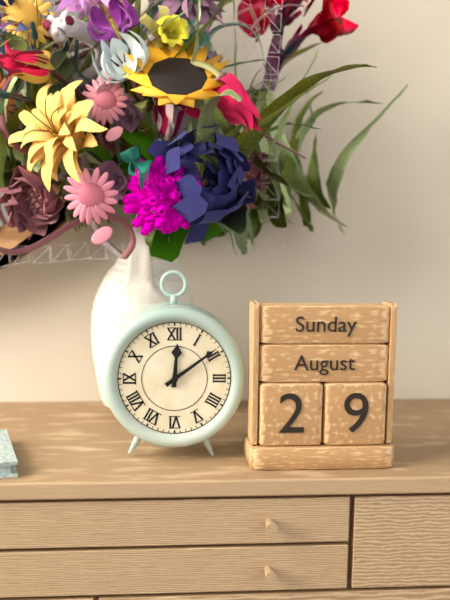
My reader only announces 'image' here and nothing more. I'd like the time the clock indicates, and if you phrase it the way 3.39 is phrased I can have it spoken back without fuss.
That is 12.09
